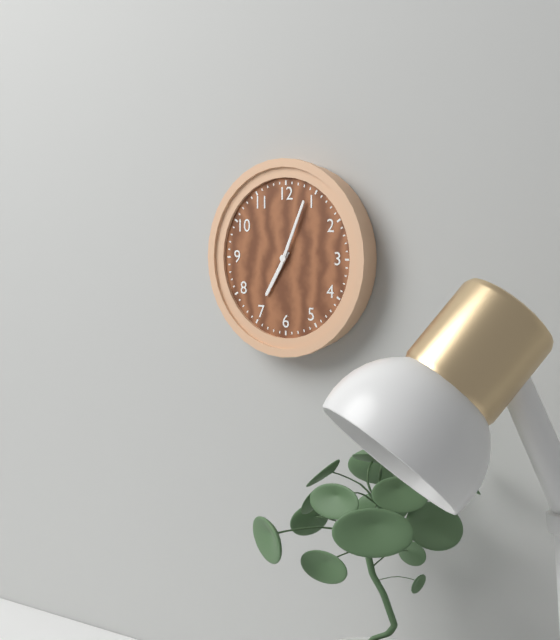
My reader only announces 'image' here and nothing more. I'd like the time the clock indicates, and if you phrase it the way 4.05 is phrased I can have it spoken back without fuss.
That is 7.04
